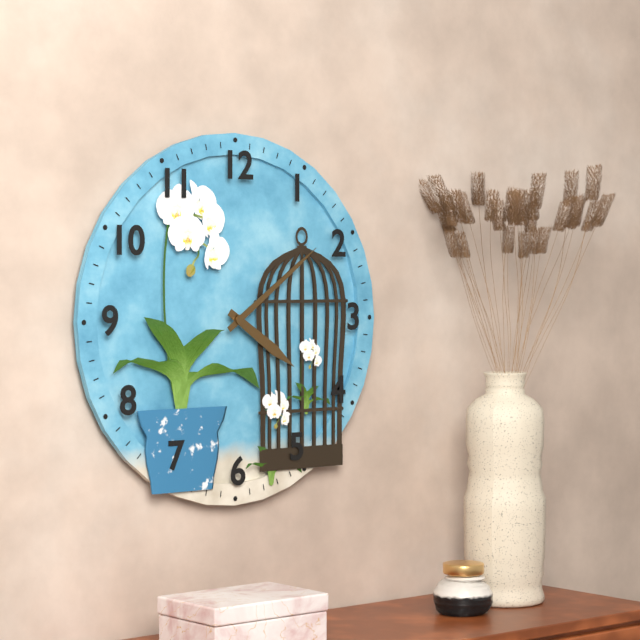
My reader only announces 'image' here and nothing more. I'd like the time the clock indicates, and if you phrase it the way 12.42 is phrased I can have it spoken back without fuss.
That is 4.09
